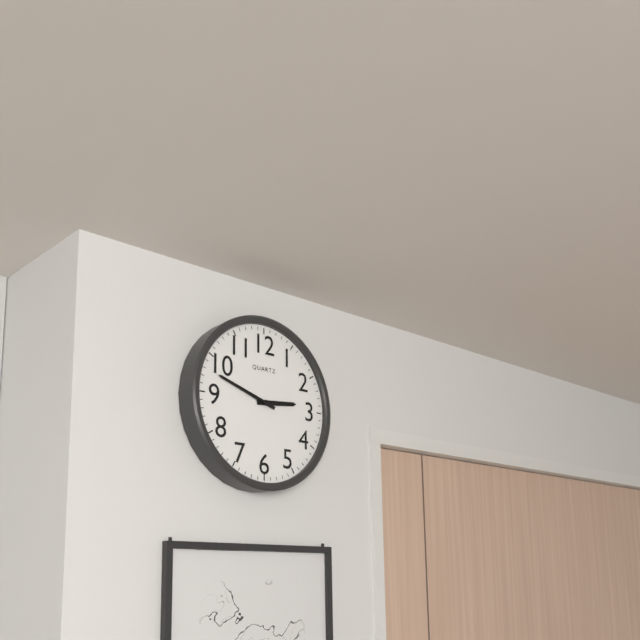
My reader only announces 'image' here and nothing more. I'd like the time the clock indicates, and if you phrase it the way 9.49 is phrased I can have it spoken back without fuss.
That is 2.48
